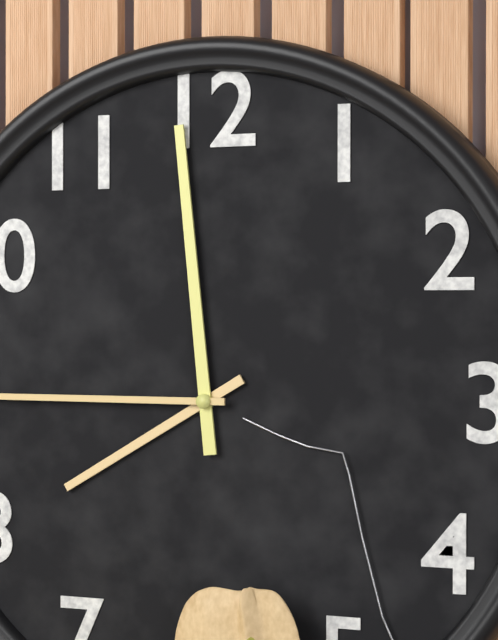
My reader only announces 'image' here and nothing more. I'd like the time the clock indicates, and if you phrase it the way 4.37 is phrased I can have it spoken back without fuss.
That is 7.59
